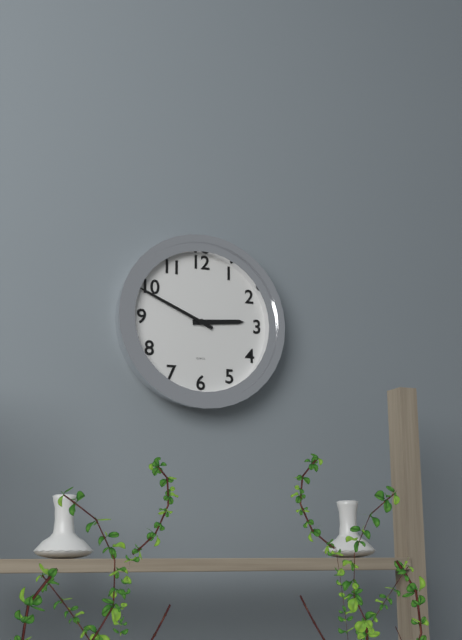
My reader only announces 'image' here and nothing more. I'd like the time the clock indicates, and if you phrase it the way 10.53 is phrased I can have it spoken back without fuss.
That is 2.49
